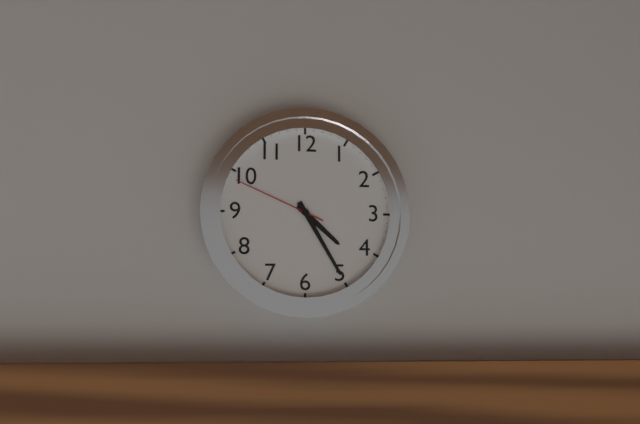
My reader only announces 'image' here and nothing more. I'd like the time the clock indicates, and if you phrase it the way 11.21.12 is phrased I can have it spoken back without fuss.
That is 4.25.49
